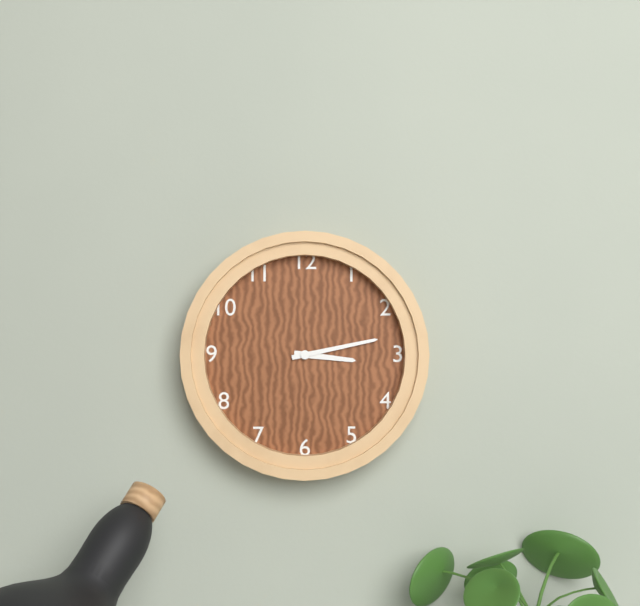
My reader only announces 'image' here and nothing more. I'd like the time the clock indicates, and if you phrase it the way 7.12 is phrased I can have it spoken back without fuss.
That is 3.13
